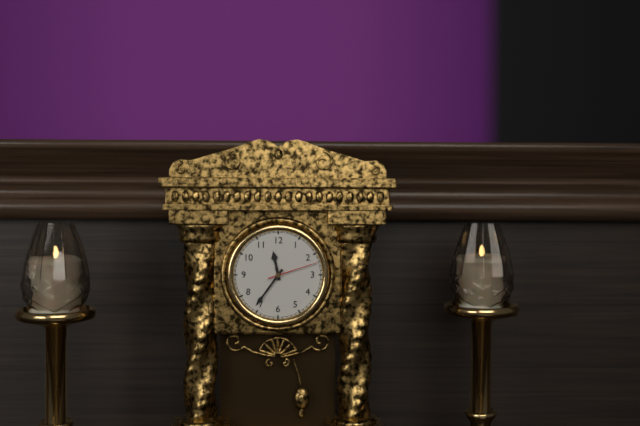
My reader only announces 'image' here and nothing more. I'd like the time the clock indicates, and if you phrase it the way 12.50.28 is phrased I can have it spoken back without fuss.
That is 11.36.12
